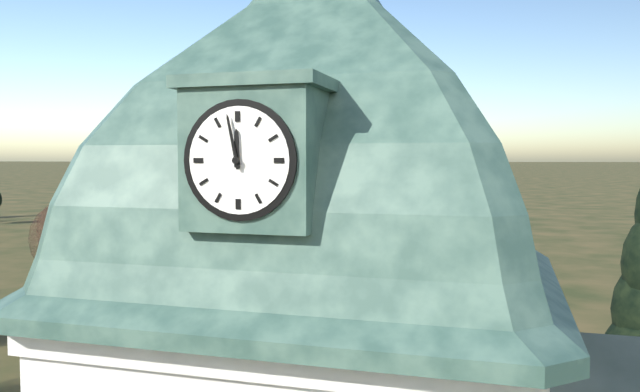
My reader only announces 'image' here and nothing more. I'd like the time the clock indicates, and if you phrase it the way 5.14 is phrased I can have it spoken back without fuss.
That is 11.58
